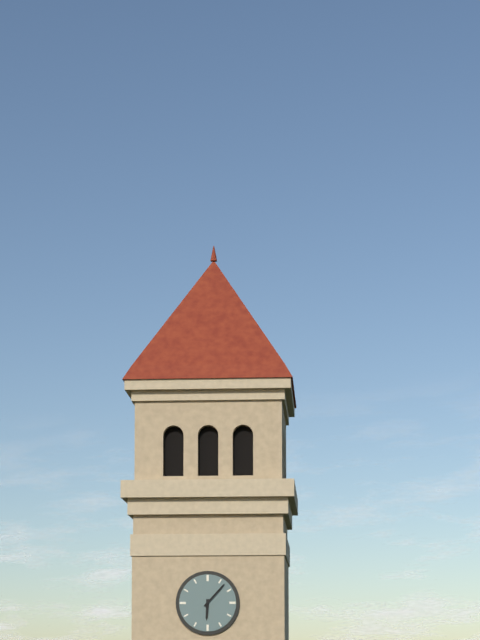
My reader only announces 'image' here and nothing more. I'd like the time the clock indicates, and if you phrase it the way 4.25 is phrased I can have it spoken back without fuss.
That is 6.07
